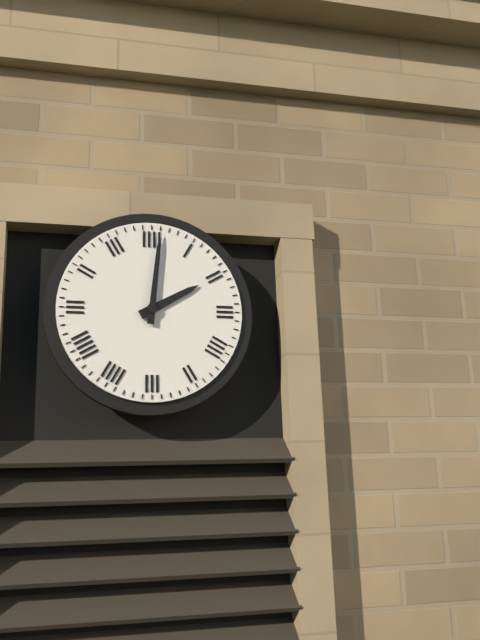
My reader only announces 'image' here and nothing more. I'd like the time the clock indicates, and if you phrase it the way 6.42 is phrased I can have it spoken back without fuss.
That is 2.01
